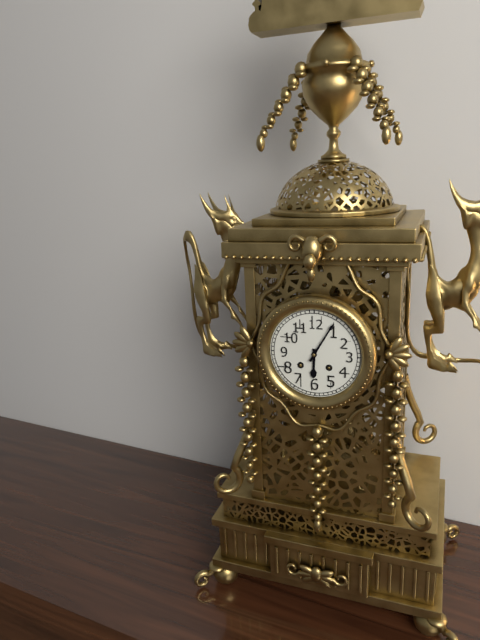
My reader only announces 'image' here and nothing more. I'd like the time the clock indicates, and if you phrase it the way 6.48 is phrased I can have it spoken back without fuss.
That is 6.05
